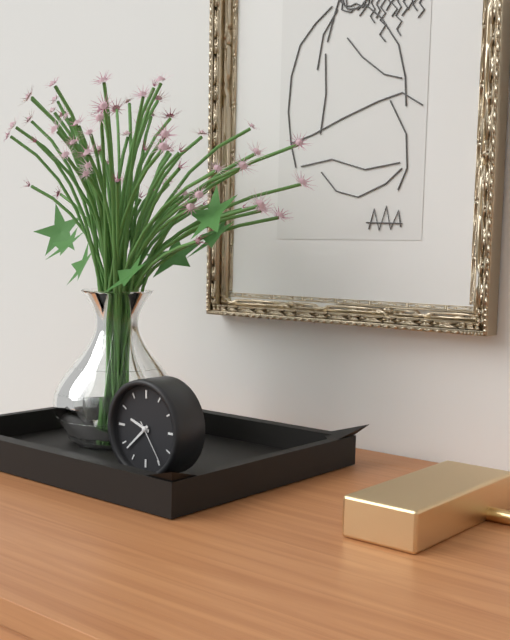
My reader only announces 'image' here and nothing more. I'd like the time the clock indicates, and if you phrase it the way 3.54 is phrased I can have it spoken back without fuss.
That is 9.38
